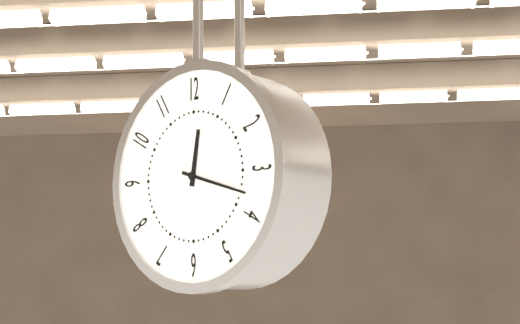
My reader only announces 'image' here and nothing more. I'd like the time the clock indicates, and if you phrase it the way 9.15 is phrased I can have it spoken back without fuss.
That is 12.18
